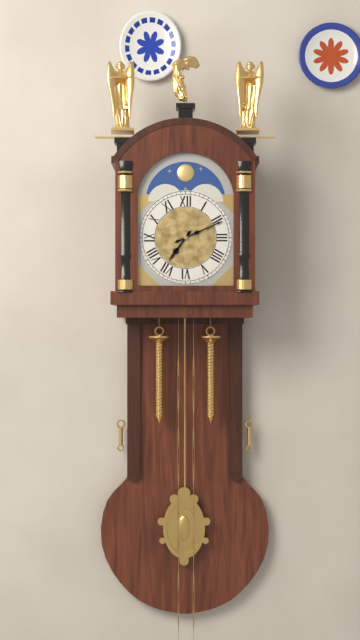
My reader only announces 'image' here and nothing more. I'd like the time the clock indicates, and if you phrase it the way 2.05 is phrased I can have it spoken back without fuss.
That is 7.11
